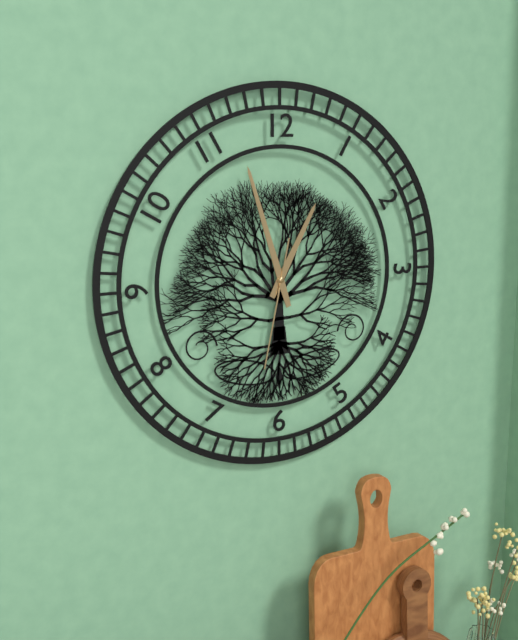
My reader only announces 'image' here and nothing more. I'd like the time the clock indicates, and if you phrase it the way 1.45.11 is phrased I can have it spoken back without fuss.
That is 12.57.32
